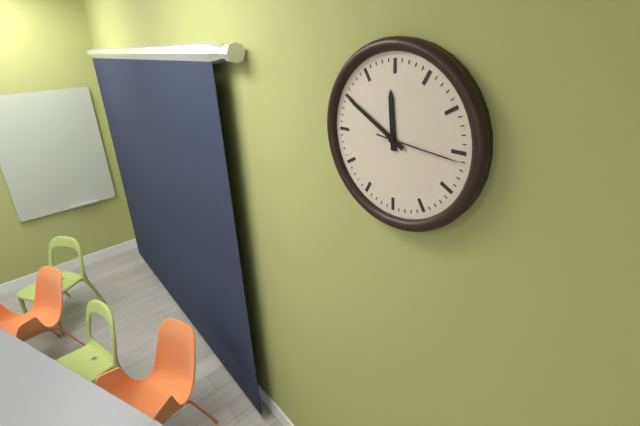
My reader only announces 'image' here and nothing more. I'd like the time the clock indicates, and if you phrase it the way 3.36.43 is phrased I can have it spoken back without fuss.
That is 11.50.16
